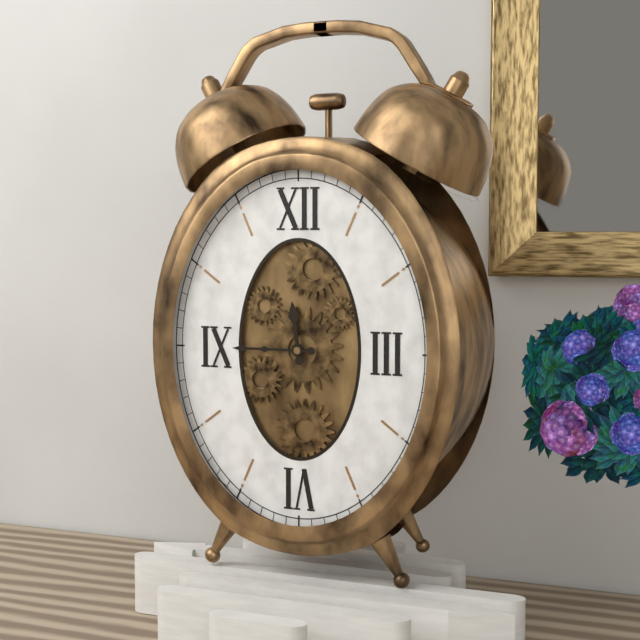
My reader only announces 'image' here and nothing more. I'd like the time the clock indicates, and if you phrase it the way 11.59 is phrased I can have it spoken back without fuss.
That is 11.45
